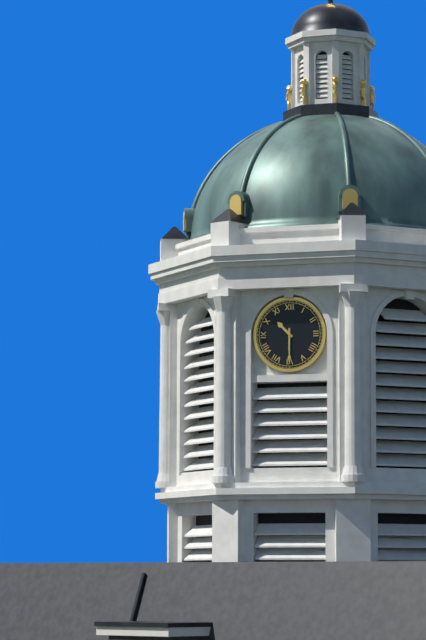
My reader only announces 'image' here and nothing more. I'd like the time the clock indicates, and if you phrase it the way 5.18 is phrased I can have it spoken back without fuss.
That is 10.30
